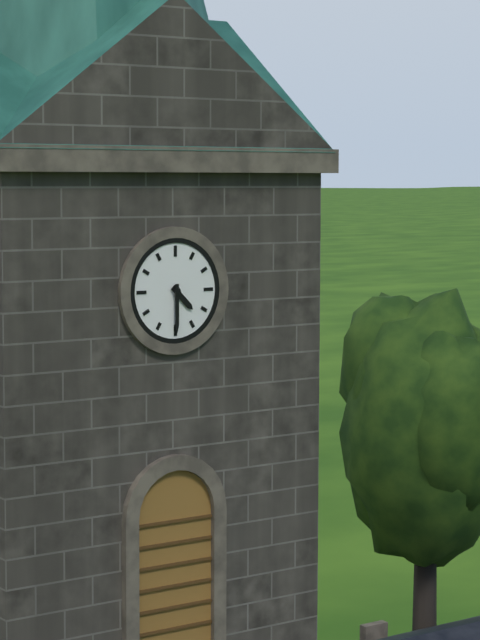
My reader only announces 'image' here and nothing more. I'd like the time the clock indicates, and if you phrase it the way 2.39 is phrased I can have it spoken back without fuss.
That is 4.30
